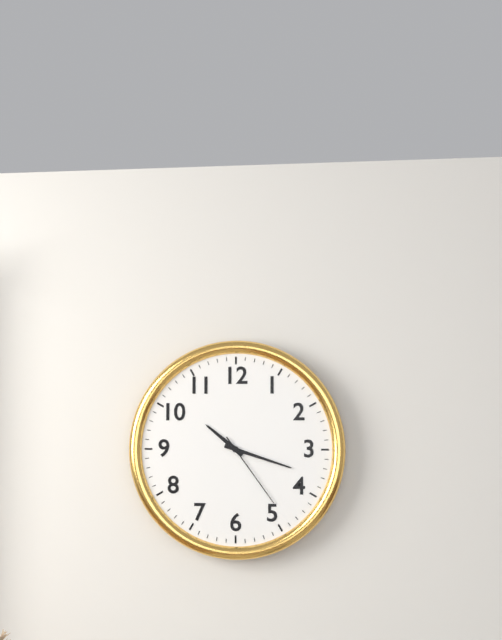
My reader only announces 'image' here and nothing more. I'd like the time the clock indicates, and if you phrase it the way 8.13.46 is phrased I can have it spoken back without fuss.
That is 10.18.24
